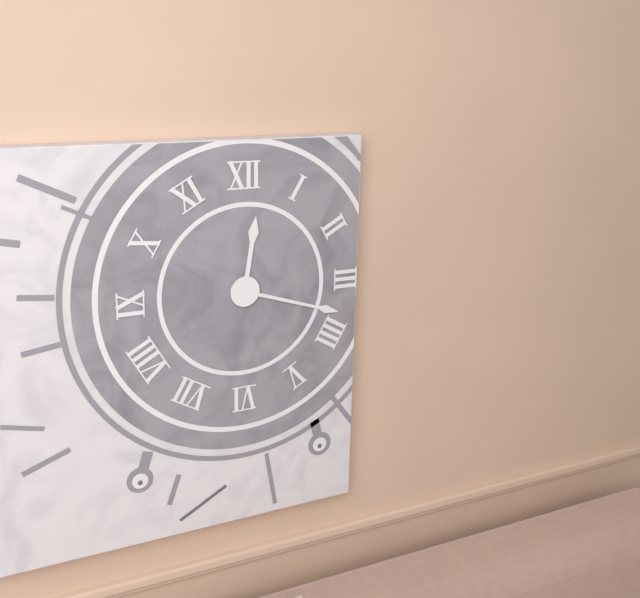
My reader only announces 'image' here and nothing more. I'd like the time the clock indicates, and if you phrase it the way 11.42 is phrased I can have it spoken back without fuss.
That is 12.18
